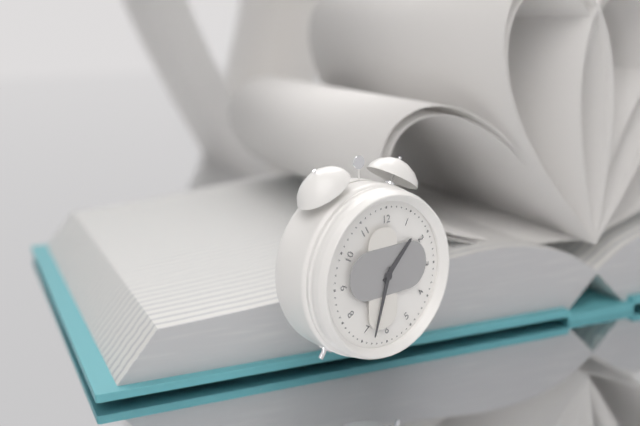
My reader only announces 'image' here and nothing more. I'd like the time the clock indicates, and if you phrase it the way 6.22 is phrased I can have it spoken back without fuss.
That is 1.33
